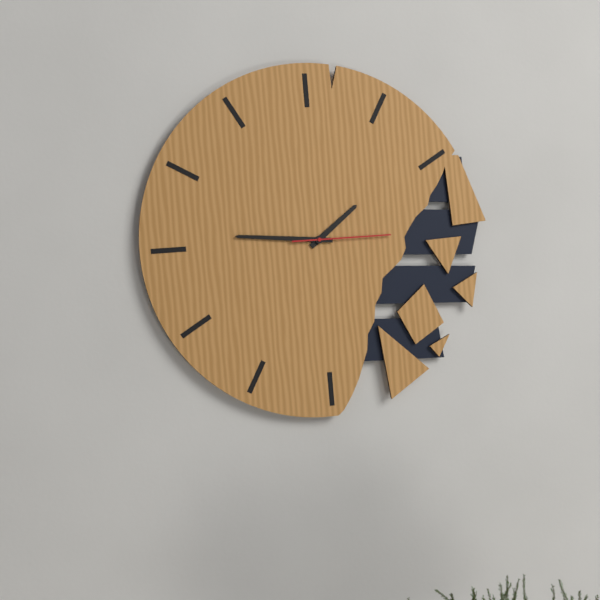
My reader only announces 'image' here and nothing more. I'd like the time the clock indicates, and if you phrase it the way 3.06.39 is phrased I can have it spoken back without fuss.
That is 1.46.15
